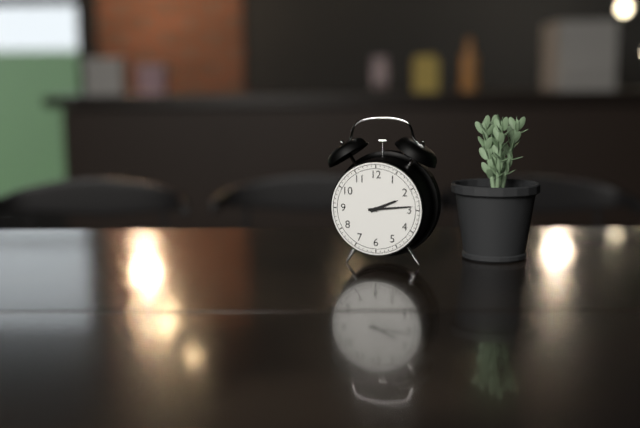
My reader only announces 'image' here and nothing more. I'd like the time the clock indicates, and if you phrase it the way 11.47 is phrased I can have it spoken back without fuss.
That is 2.14
